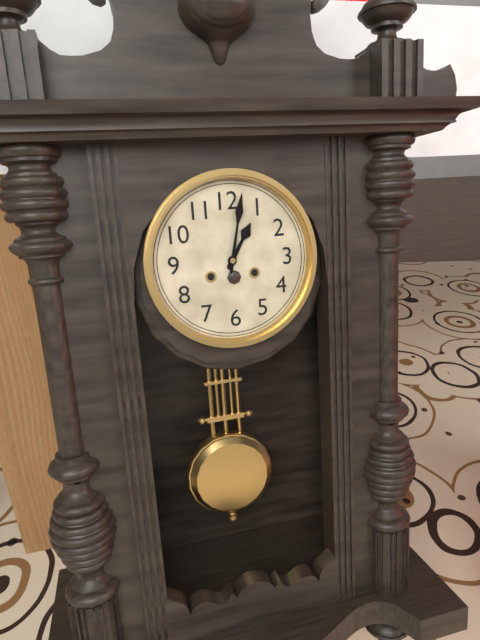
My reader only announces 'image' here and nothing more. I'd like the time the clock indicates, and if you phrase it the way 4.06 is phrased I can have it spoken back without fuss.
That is 1.02
